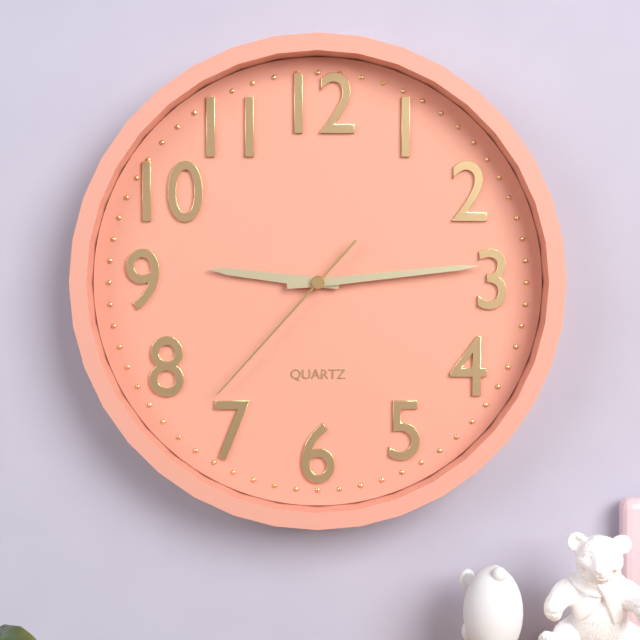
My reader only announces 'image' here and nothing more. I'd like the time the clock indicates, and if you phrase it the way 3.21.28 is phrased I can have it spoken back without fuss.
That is 9.14.37
